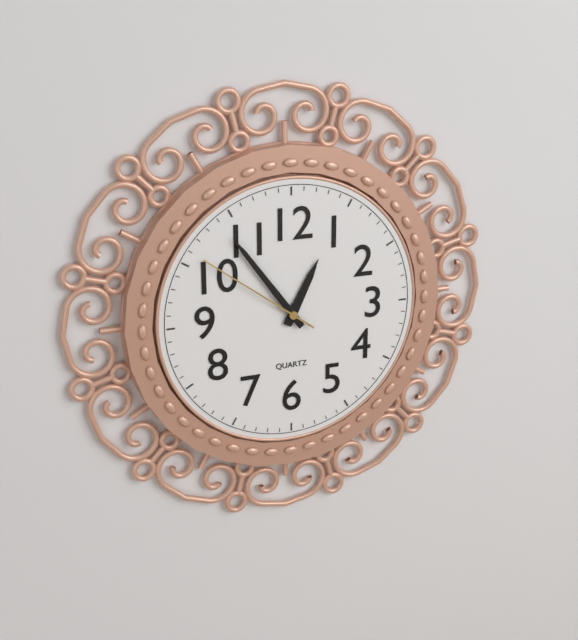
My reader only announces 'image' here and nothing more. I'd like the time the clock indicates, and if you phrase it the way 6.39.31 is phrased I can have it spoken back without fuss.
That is 12.54.51
